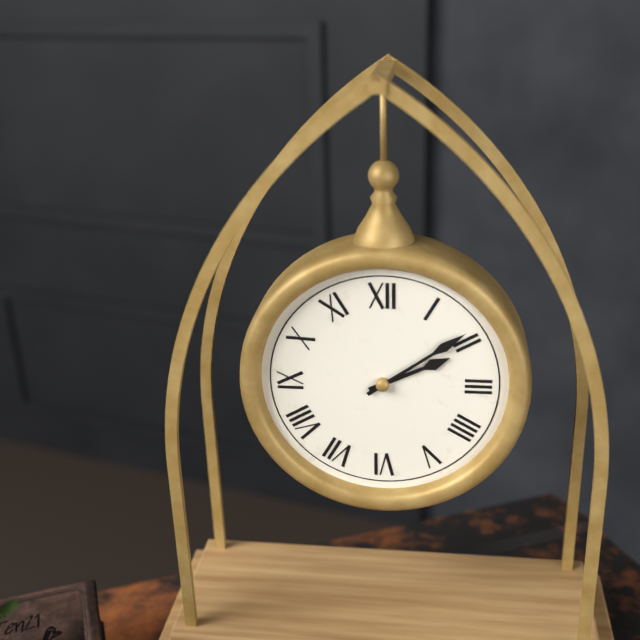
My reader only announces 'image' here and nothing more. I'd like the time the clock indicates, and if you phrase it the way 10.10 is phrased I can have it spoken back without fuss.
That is 2.09
